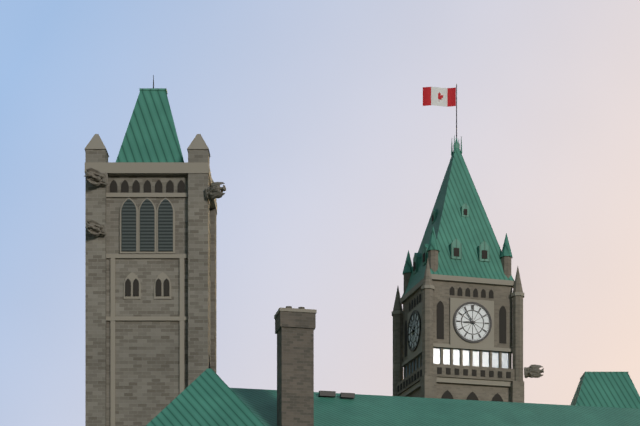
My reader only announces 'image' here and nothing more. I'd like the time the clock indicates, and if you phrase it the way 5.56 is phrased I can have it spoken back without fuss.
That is 8.54
